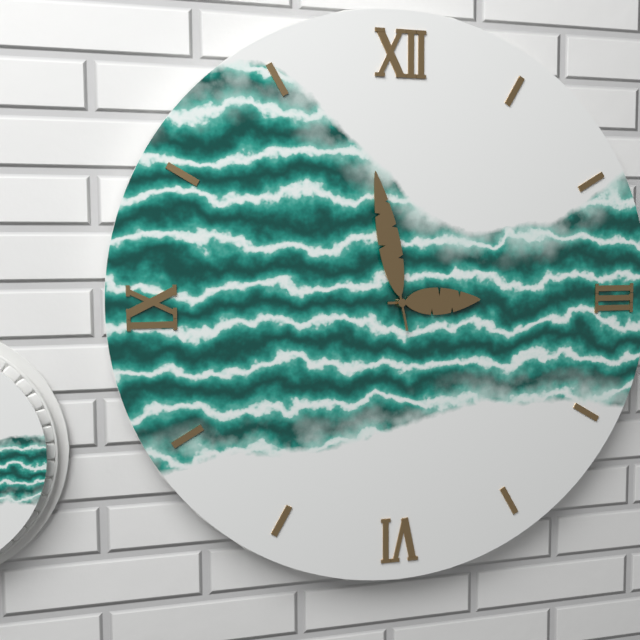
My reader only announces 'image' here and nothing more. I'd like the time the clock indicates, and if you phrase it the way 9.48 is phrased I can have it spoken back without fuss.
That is 2.58
